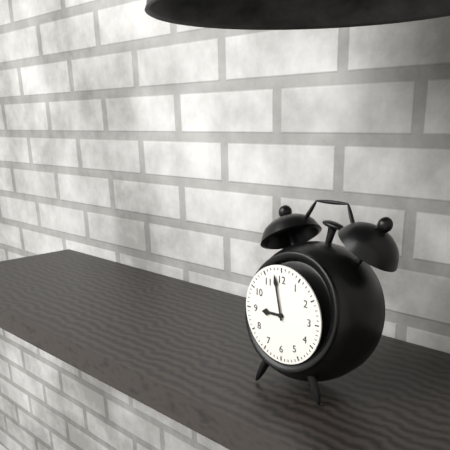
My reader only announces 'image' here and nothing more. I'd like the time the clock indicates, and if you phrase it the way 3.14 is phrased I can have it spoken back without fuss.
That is 8.58
